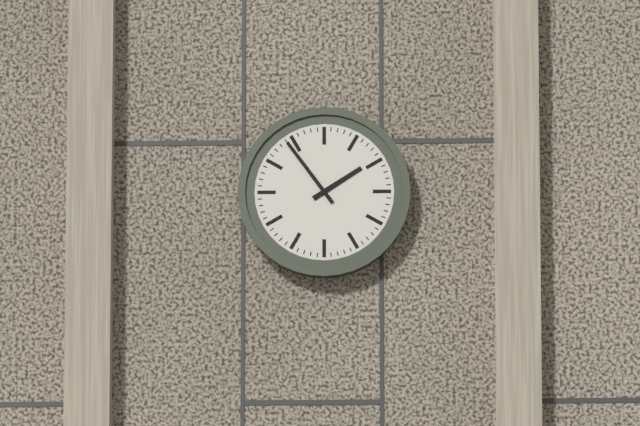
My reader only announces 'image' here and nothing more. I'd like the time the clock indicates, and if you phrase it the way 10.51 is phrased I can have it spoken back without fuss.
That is 1.54
